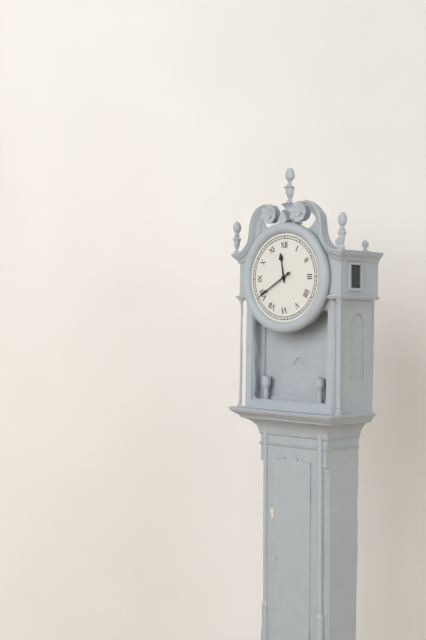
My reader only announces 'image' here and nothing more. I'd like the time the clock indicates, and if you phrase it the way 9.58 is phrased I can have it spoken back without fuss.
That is 11.40
